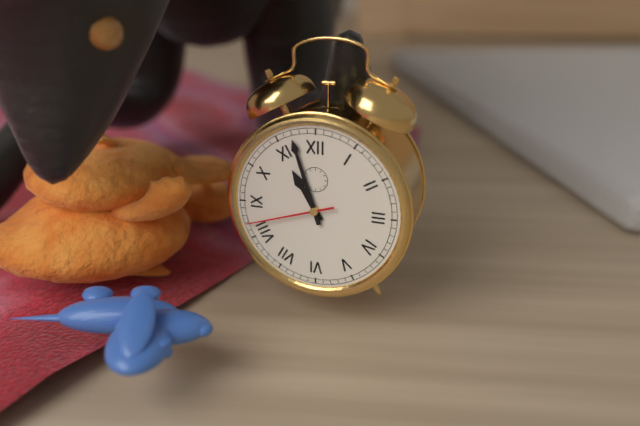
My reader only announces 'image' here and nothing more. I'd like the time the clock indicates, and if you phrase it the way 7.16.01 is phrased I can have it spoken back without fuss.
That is 10.57.42
